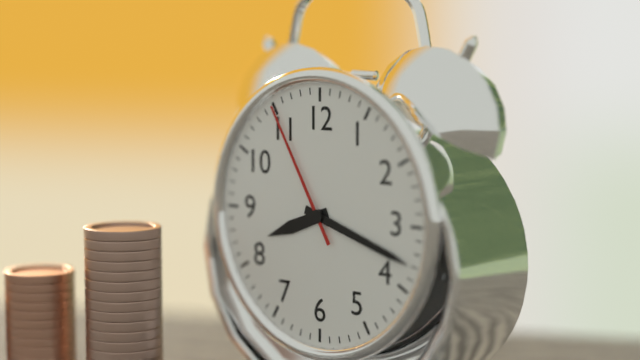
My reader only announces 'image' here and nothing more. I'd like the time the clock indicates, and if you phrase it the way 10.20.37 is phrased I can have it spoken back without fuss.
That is 8.18.55
